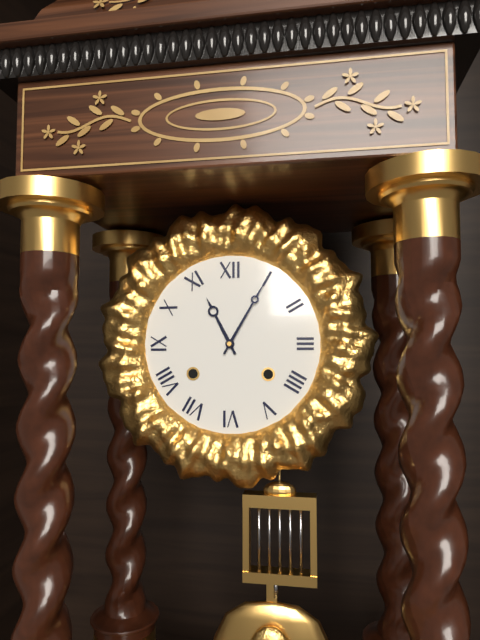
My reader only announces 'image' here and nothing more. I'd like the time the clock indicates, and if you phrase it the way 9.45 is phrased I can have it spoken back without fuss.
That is 11.05
